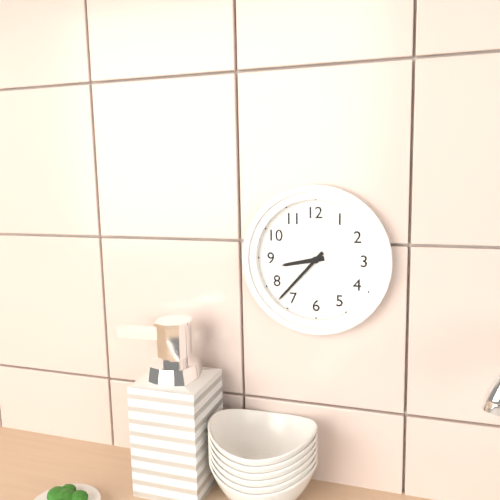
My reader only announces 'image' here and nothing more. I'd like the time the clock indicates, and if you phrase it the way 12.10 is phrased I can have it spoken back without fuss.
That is 8.37
